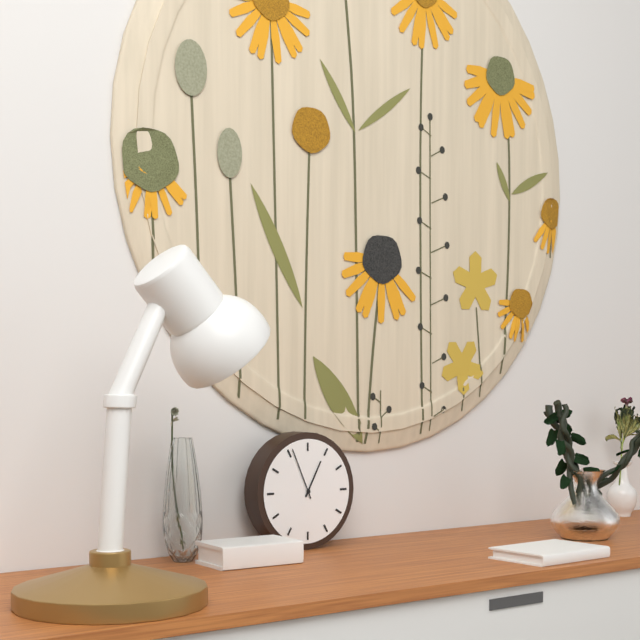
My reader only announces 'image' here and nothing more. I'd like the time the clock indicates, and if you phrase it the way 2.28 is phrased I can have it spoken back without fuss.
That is 12.56
